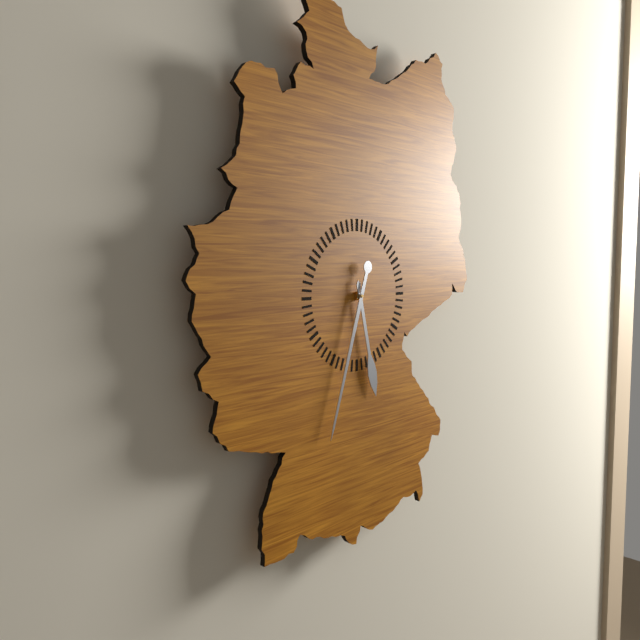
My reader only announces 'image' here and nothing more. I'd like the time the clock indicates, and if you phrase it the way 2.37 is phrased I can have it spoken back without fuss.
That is 5.33
